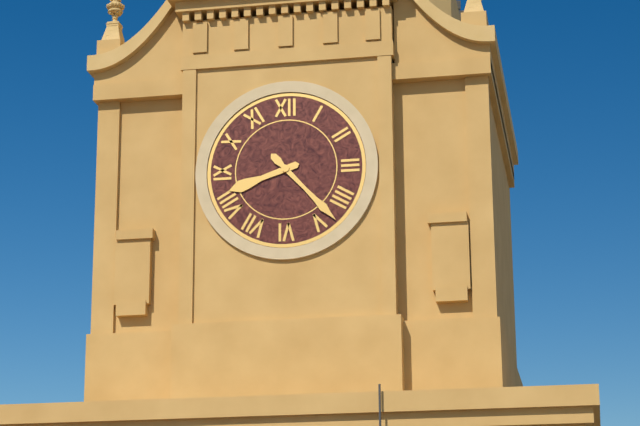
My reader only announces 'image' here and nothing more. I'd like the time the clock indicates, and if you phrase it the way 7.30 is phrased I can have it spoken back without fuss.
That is 8.23
